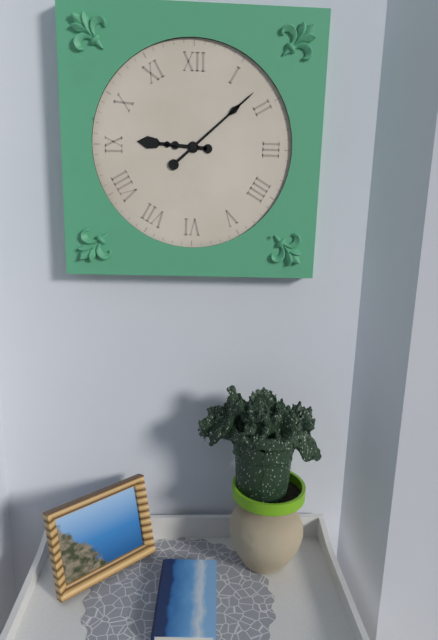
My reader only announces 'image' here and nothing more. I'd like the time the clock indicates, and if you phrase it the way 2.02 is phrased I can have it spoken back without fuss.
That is 9.08
